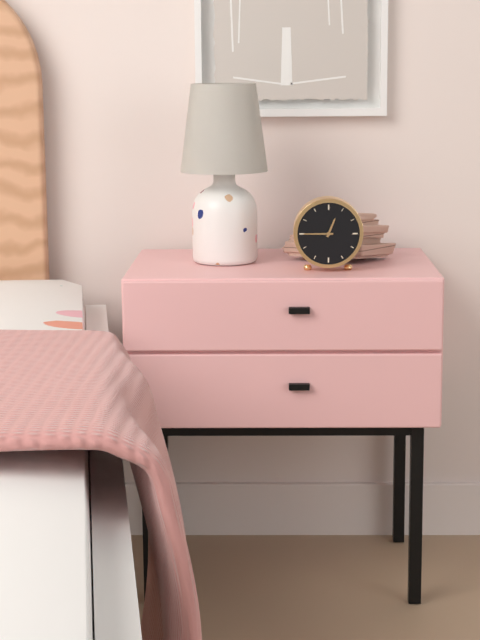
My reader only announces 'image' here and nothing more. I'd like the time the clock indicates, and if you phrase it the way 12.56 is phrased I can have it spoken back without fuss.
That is 12.45
